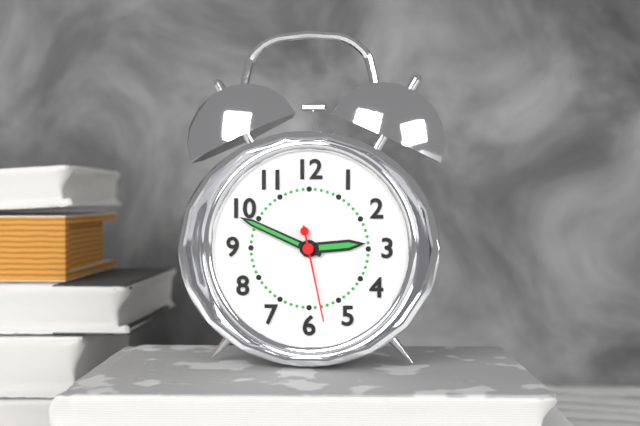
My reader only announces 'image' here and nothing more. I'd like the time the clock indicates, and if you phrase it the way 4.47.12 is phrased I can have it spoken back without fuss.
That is 2.49.28
